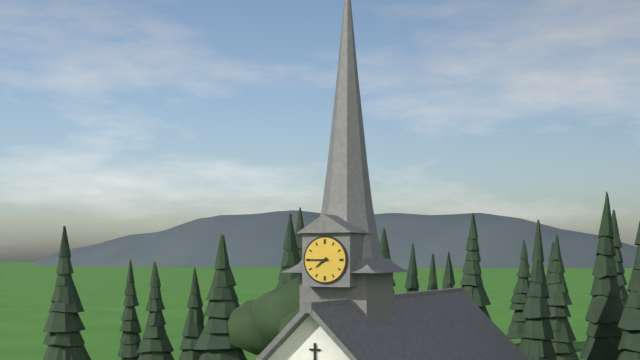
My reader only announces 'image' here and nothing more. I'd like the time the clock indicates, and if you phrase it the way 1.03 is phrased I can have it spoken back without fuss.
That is 7.45
